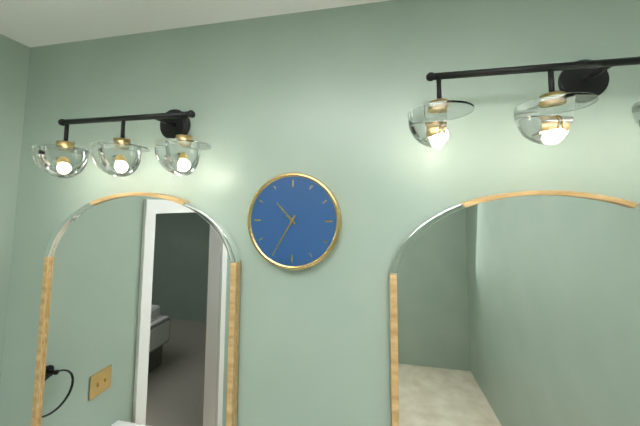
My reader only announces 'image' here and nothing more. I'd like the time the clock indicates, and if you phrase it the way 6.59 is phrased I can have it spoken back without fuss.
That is 10.35
